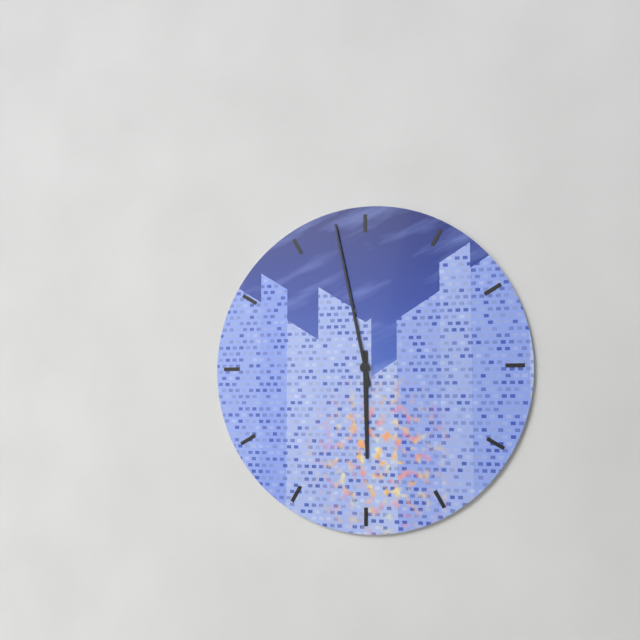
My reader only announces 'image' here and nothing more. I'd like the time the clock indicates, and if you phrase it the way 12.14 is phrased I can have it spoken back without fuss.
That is 5.58
